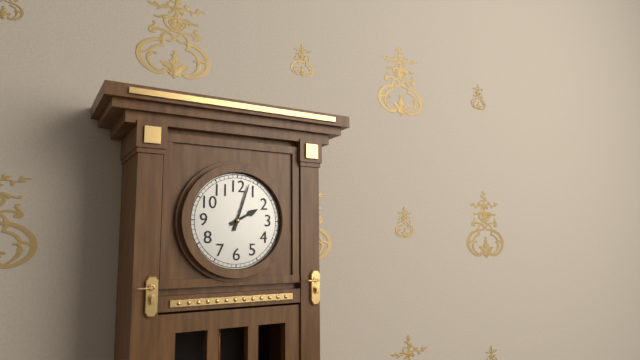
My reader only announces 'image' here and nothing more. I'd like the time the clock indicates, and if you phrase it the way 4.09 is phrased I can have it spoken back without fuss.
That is 2.03
